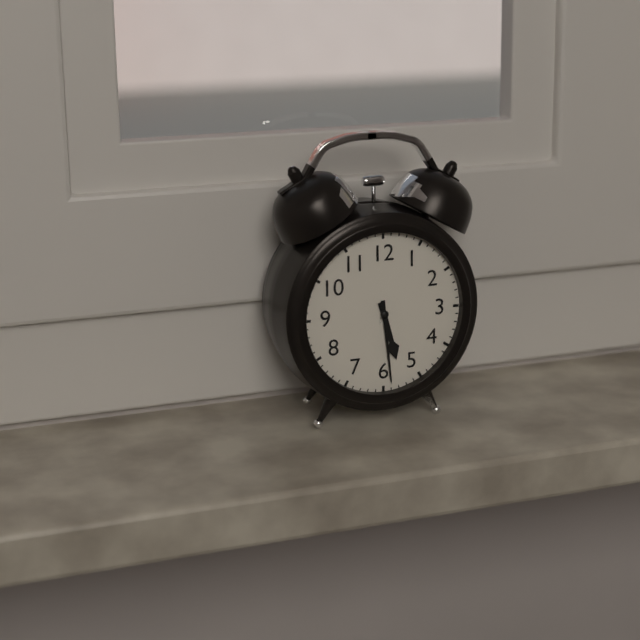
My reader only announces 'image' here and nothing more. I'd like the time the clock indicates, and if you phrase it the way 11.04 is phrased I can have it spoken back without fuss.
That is 5.29
